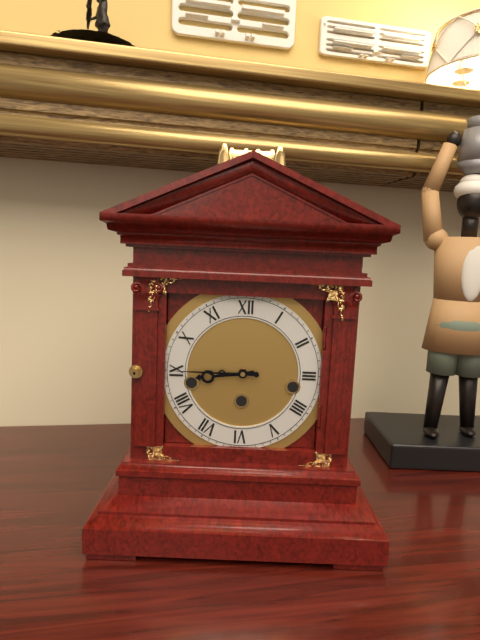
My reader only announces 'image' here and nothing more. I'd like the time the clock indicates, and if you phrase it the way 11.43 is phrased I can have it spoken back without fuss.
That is 8.45
